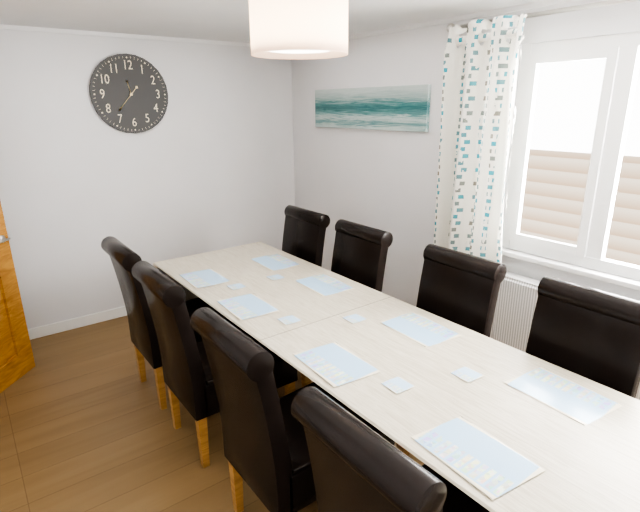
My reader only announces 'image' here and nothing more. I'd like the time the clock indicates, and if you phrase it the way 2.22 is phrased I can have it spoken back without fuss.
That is 11.37
